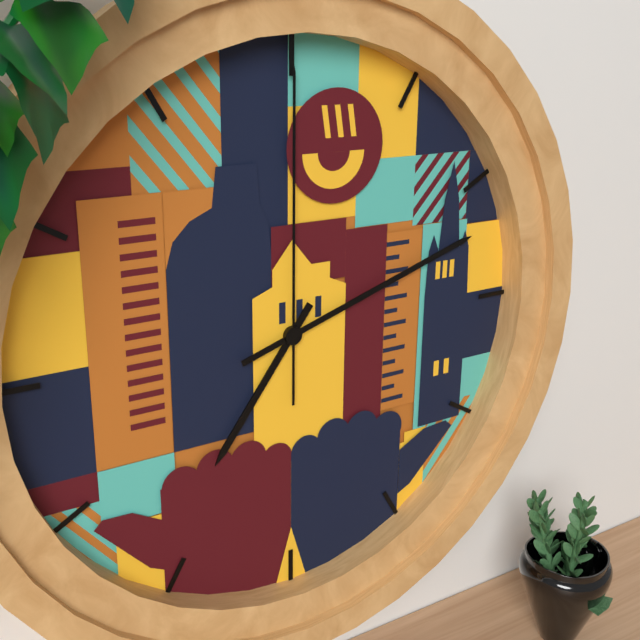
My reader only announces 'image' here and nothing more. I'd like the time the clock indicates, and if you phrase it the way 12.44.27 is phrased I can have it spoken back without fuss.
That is 7.12.00
